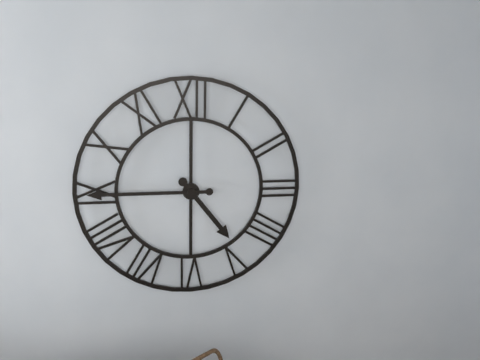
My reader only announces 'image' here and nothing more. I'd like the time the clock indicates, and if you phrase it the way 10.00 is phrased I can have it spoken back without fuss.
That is 4.45
